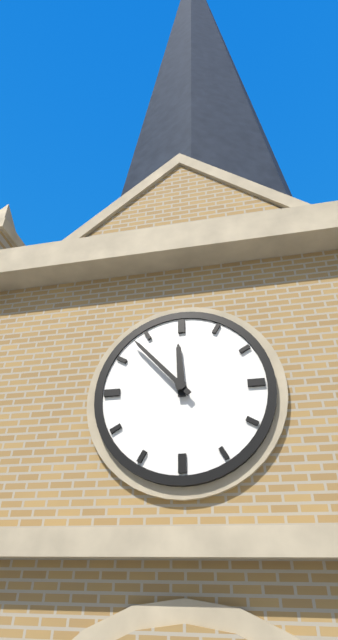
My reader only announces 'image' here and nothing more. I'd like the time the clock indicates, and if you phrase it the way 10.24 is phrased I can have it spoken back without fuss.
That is 11.53
